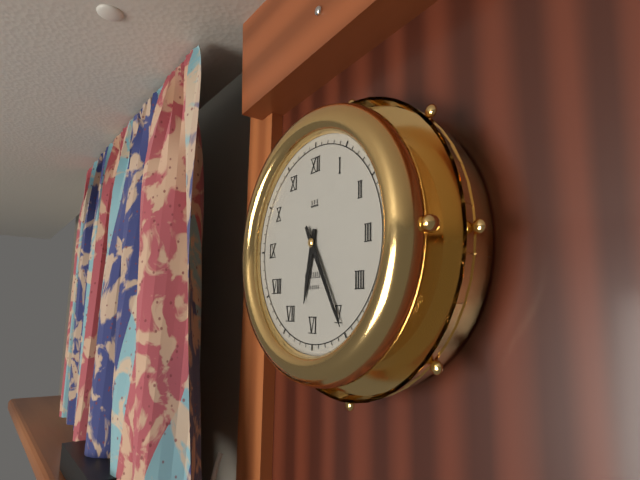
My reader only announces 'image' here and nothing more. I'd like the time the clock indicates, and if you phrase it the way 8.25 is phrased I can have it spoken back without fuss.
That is 6.25
